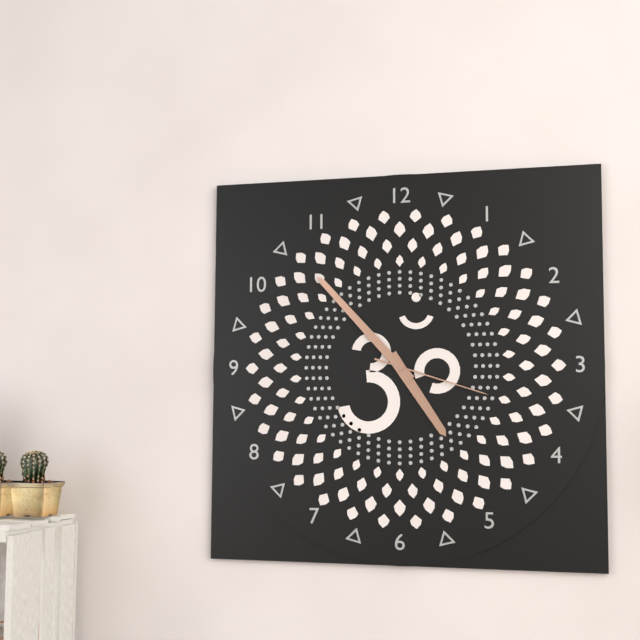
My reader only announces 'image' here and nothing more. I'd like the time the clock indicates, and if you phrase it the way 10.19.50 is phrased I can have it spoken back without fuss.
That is 4.53.18
